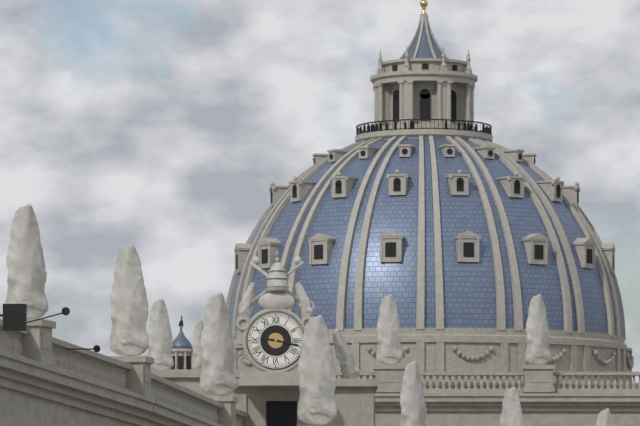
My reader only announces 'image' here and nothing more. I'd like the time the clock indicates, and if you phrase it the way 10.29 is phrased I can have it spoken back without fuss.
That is 9.17
